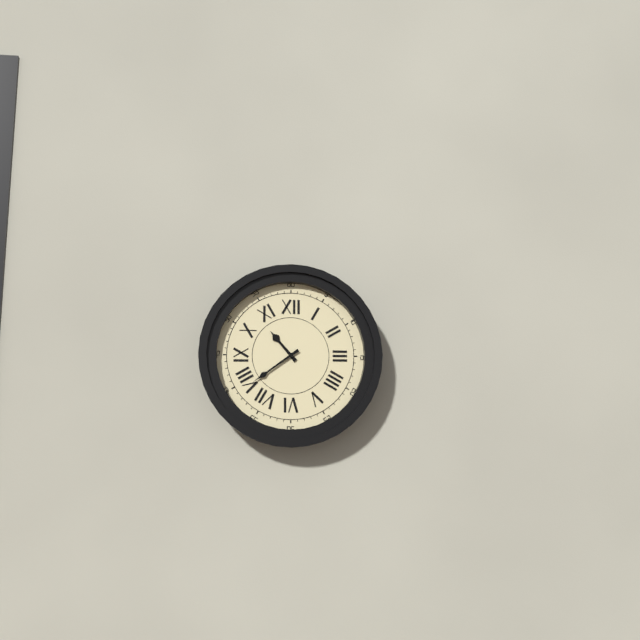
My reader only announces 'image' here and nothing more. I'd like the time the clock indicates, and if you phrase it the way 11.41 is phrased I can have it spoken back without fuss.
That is 10.39
